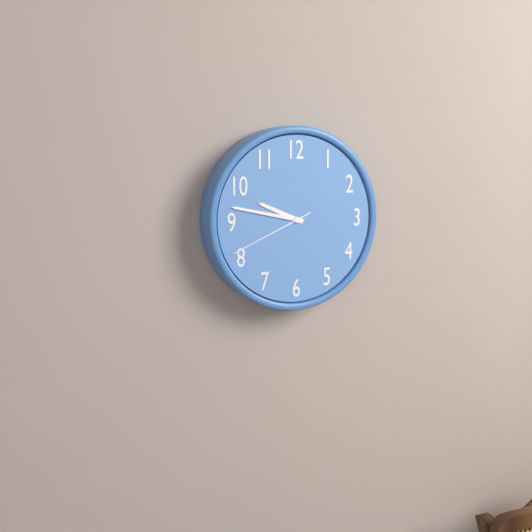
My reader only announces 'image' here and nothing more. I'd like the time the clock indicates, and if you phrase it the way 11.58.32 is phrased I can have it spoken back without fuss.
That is 9.47.41
